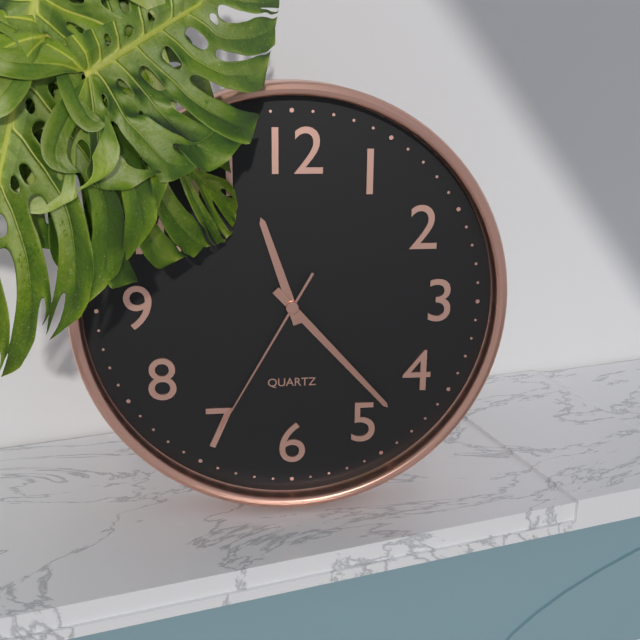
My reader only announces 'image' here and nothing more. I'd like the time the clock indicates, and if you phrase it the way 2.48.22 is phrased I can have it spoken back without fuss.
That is 11.23.35
